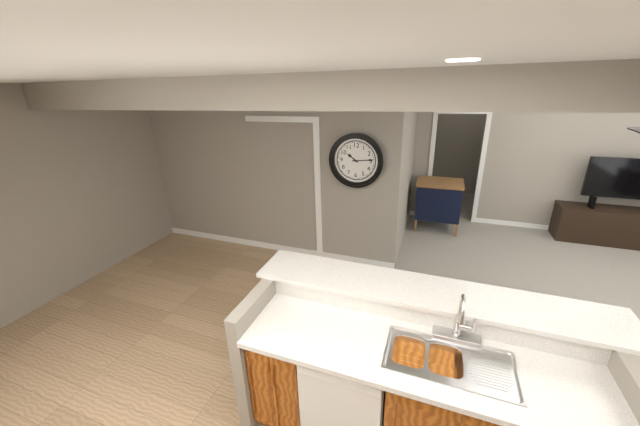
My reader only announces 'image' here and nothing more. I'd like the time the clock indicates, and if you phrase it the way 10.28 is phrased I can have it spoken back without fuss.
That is 10.14
